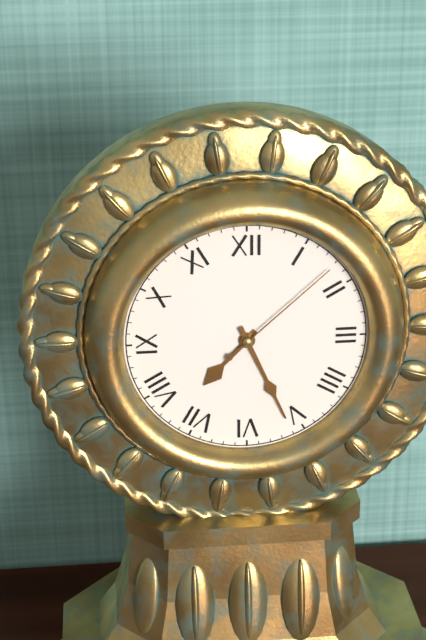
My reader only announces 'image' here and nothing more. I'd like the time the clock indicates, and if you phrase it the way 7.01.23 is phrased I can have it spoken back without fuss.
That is 7.26.08
